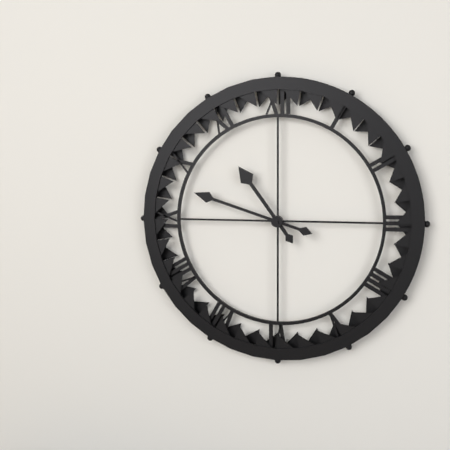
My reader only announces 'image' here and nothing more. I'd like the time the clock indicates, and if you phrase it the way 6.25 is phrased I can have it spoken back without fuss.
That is 10.48
